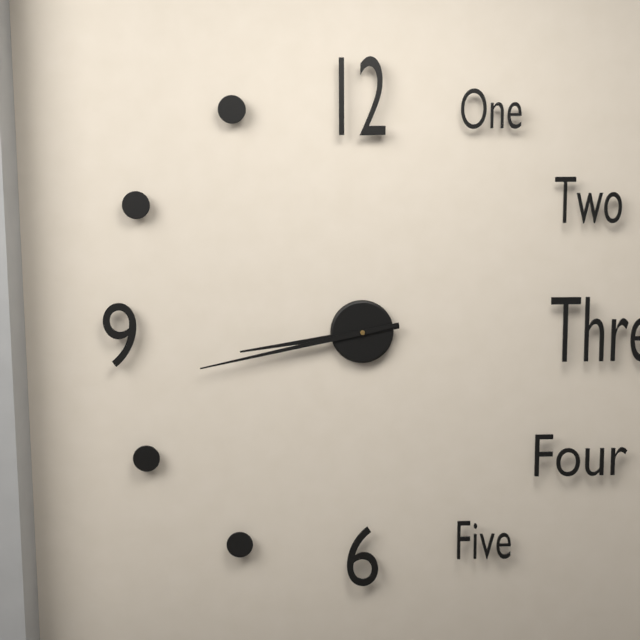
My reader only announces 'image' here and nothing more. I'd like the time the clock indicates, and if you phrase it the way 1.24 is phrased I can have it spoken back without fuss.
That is 8.43
